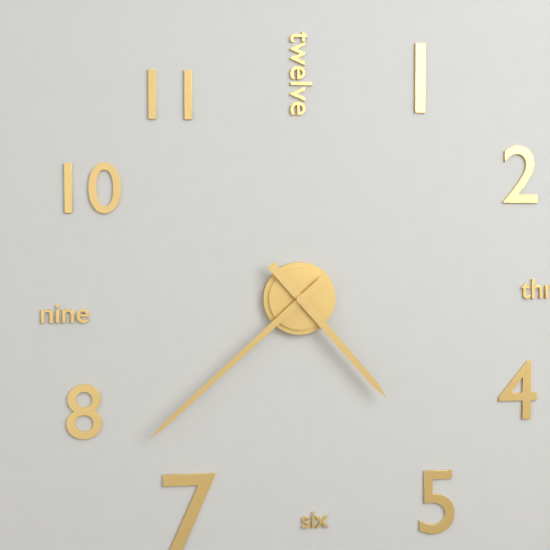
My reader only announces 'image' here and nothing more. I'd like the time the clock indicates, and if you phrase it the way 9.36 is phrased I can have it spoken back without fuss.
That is 4.38
